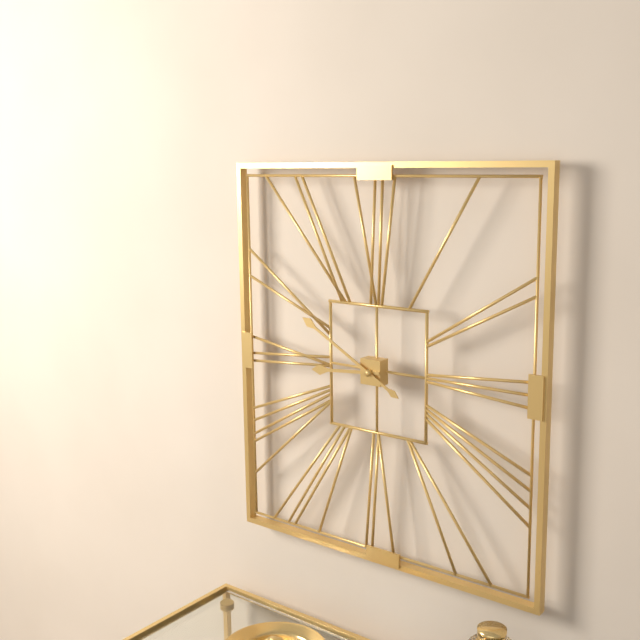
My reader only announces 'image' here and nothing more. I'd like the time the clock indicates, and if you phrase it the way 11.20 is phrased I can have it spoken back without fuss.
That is 8.50
